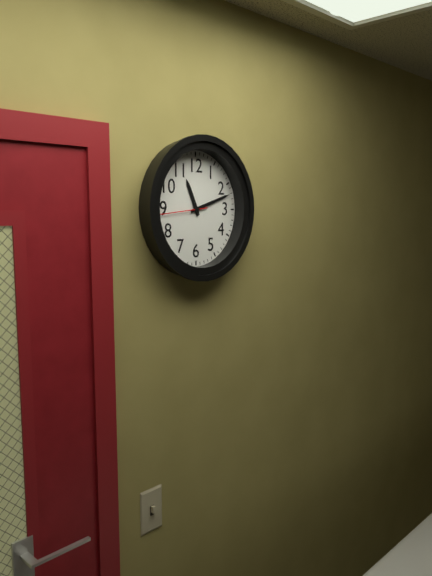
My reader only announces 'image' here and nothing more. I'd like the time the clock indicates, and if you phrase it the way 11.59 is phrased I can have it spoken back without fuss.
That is 11.12
